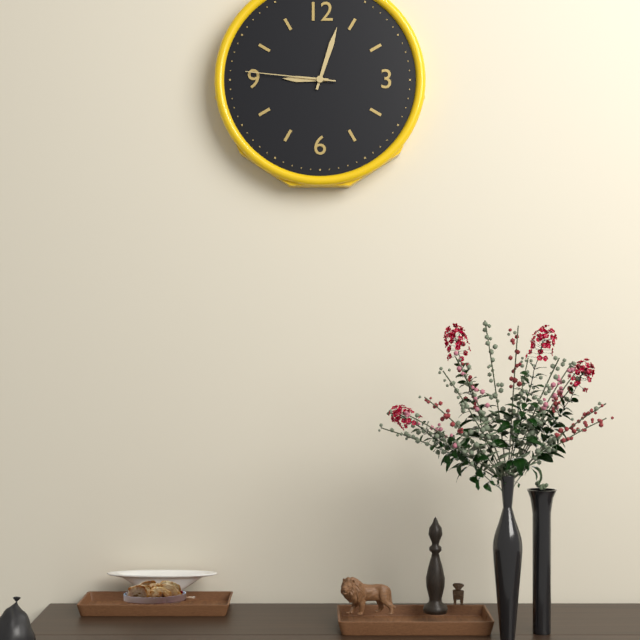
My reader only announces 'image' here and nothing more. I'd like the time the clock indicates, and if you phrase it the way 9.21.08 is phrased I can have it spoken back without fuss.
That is 9.03.46
